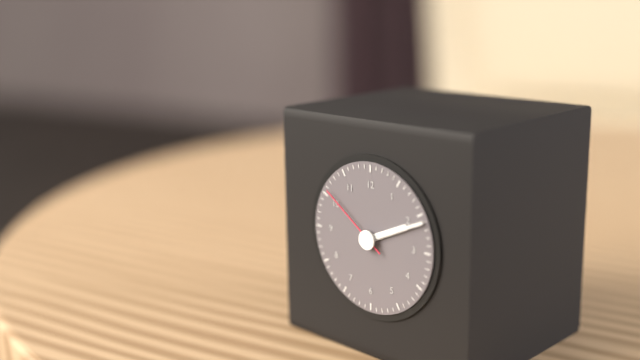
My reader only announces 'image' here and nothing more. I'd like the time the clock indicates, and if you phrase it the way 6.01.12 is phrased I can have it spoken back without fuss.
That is 2.11.51
